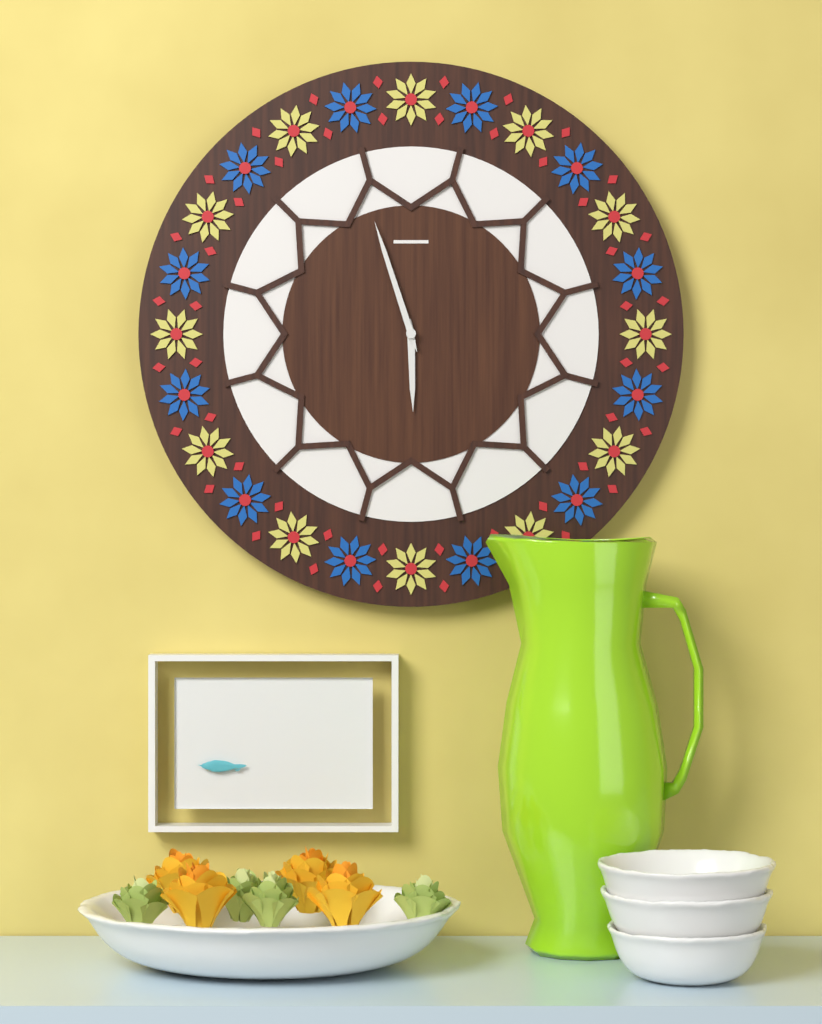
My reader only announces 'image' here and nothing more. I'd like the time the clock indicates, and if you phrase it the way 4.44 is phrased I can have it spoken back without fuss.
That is 5.57
